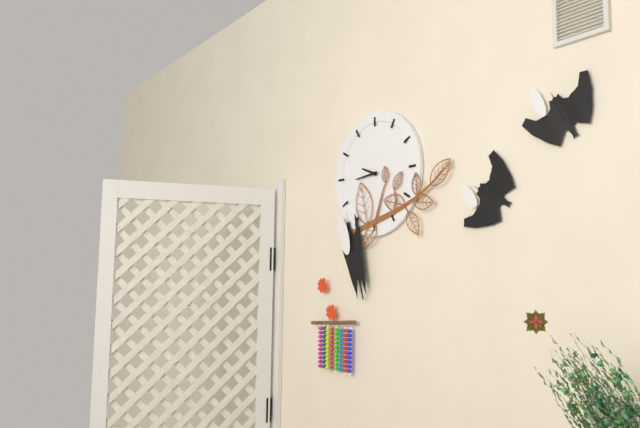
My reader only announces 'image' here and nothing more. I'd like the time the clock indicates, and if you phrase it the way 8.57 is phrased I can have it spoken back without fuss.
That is 9.44
